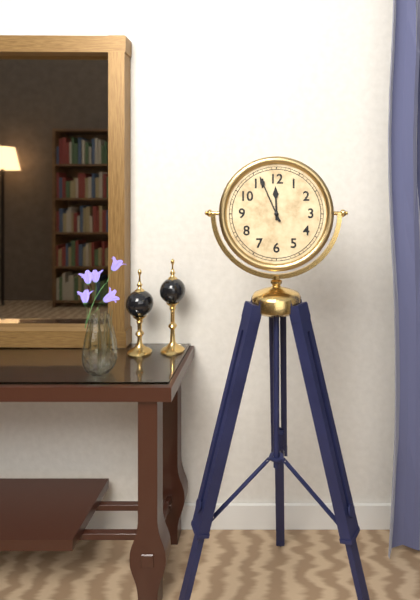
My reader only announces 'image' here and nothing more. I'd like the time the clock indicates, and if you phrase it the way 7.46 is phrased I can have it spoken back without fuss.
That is 11.56
